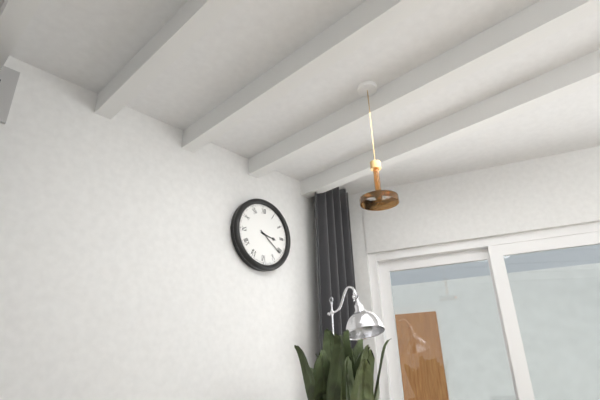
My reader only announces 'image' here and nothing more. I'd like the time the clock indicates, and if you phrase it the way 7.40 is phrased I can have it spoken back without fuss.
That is 3.21
